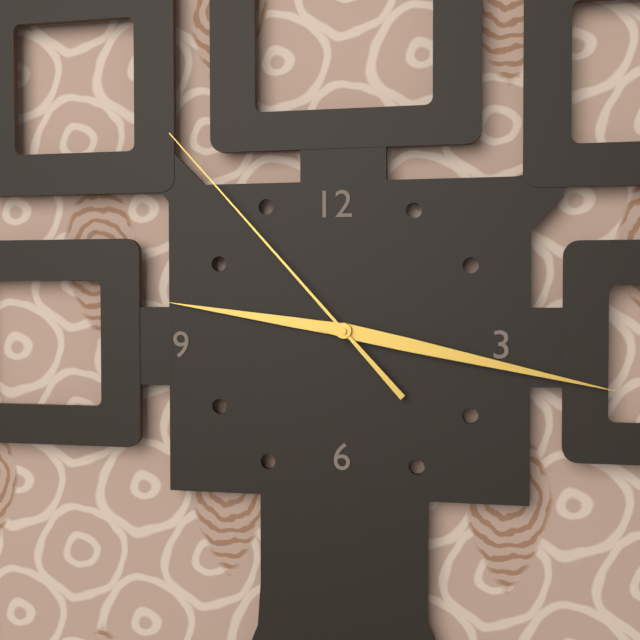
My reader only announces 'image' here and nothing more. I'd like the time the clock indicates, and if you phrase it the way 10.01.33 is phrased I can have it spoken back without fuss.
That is 9.17.53
